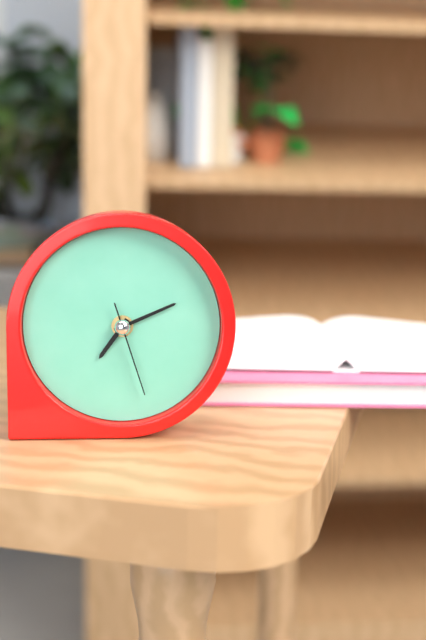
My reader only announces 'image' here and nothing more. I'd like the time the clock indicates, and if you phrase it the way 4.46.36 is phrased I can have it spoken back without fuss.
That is 7.11.27
